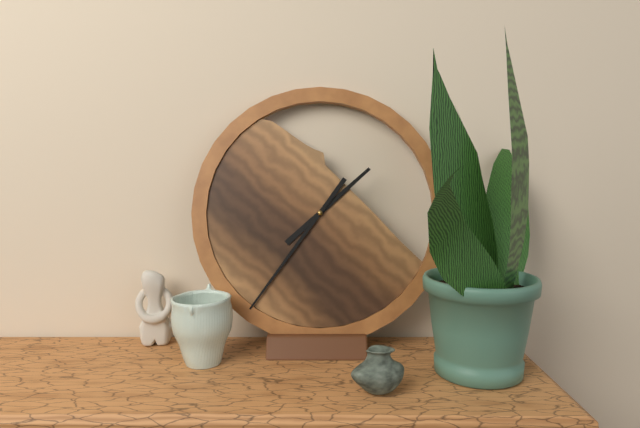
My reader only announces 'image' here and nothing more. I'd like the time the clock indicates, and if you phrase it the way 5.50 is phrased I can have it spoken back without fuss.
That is 1.36
